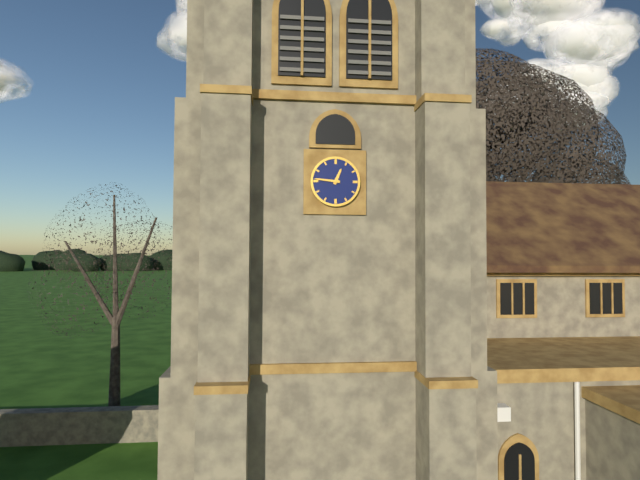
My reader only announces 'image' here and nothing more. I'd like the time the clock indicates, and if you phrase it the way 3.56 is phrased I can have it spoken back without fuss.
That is 12.46
